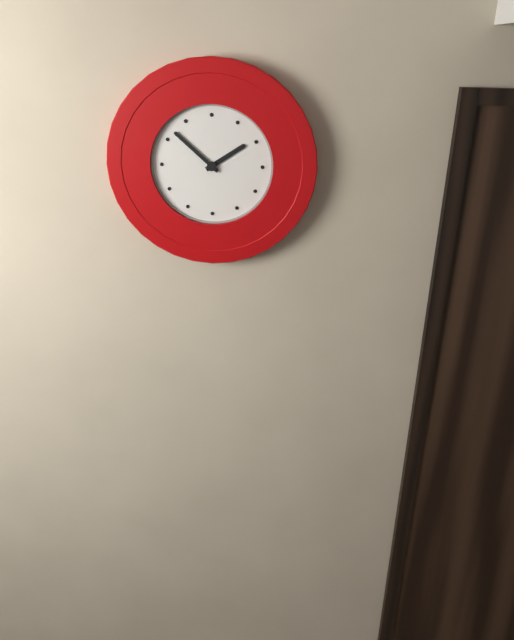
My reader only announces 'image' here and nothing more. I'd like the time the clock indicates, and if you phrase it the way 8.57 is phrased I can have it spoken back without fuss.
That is 1.52
